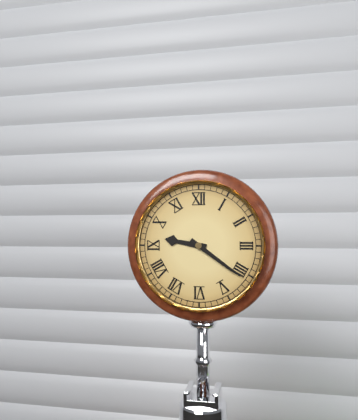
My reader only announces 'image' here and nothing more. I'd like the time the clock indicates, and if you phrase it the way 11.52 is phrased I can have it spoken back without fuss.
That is 9.21
